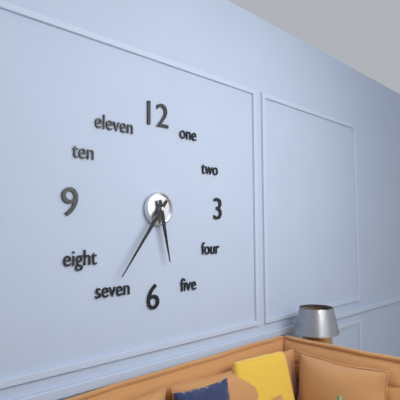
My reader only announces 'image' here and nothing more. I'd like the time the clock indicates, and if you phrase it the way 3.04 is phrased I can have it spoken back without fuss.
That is 5.36
